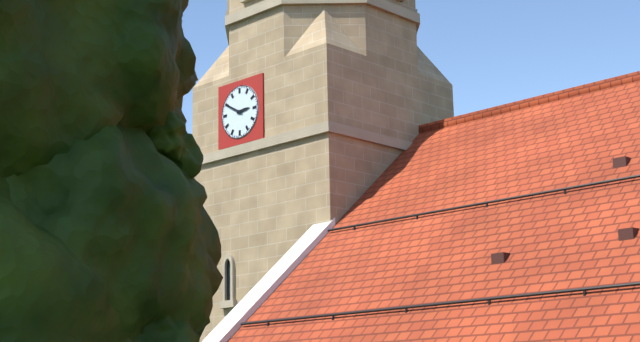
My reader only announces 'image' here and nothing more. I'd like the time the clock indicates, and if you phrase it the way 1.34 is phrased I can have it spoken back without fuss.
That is 2.50
